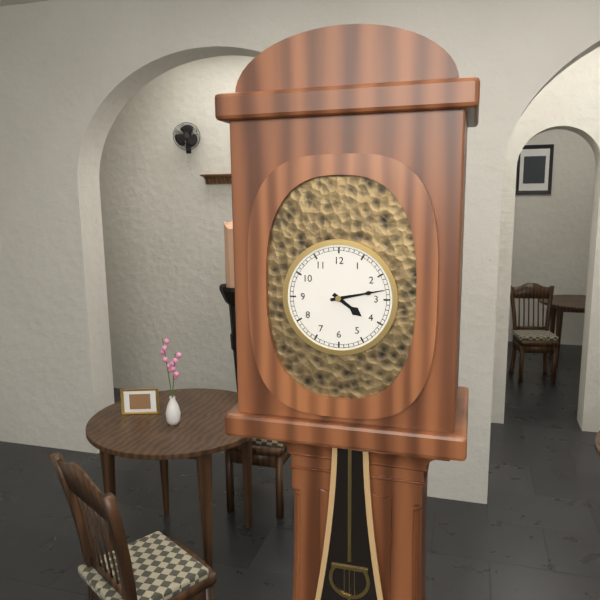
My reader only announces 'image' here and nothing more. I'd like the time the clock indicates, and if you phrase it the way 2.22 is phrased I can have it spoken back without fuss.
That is 4.13
